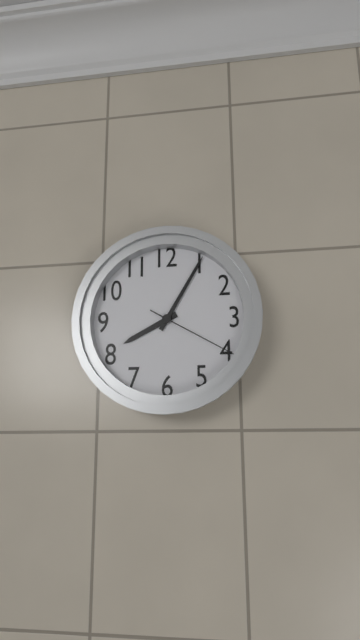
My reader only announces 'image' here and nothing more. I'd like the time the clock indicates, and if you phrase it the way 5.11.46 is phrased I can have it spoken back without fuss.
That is 8.05.20
